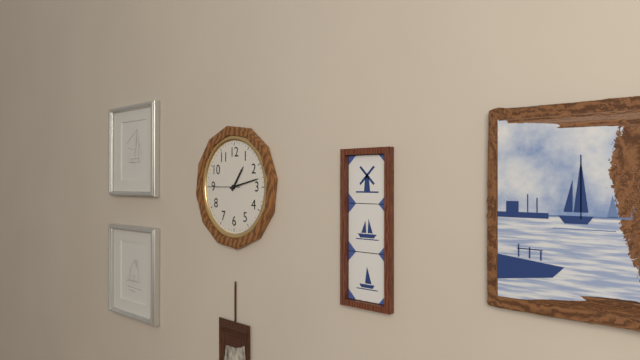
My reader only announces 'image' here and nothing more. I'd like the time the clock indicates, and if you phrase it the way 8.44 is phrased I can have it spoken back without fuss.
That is 1.13
